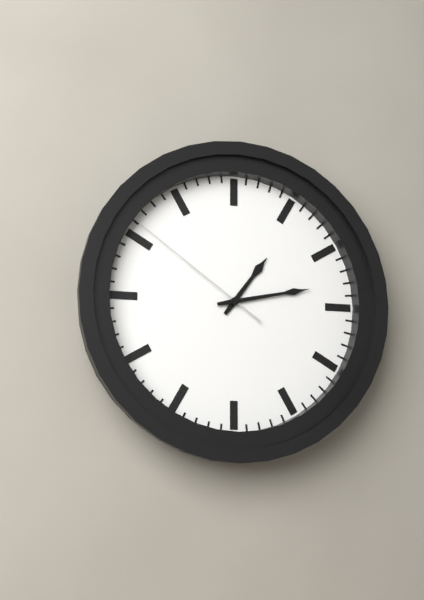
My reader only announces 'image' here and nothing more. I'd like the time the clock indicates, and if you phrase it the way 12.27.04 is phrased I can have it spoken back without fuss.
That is 1.13.51
